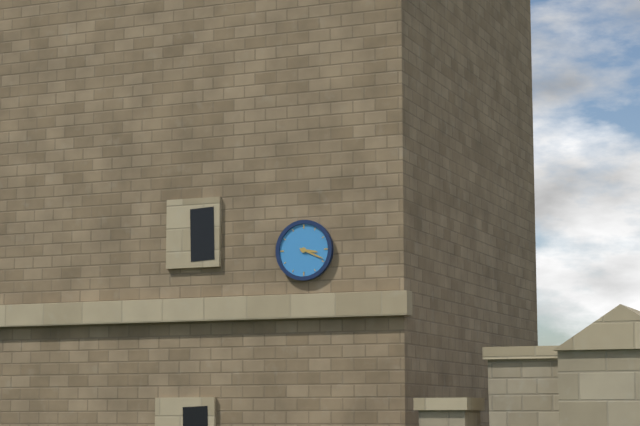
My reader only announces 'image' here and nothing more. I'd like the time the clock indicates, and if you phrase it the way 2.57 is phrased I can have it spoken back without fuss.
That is 3.19
